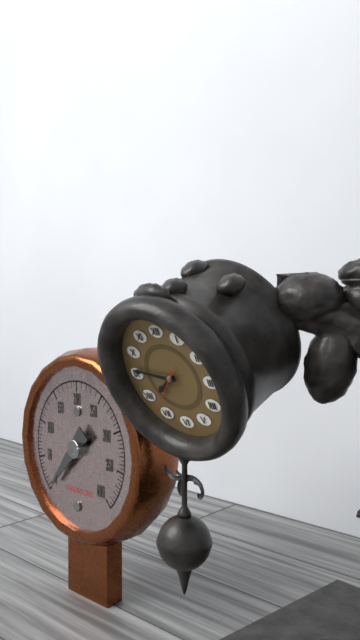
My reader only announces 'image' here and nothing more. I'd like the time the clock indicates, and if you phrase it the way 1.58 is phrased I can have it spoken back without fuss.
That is 7.46
